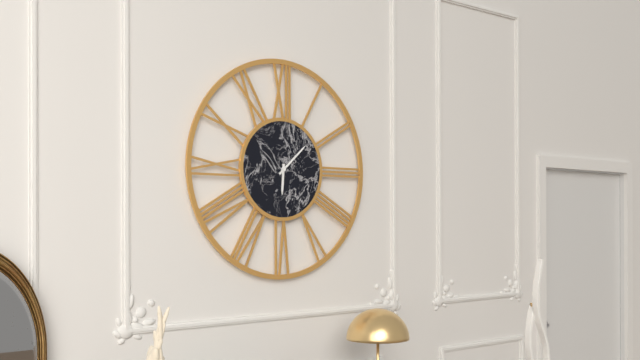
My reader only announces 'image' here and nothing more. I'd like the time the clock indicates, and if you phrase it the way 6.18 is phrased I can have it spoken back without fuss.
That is 6.08
